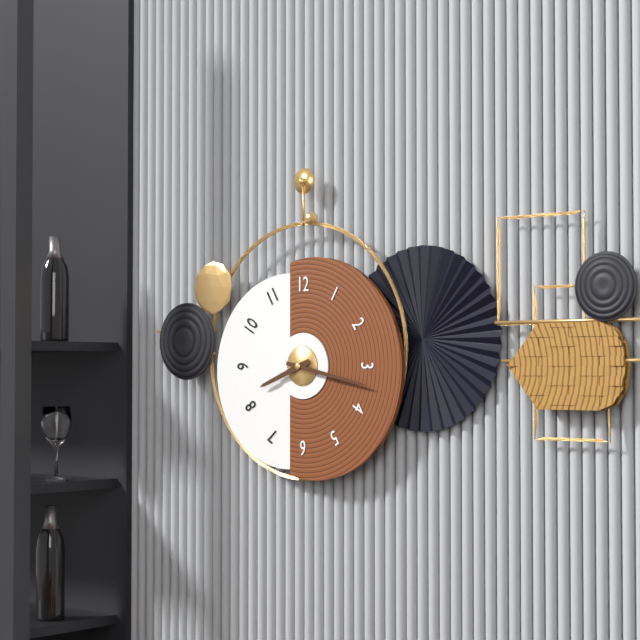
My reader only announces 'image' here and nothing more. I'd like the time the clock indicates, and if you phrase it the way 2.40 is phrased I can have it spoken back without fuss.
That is 8.17
